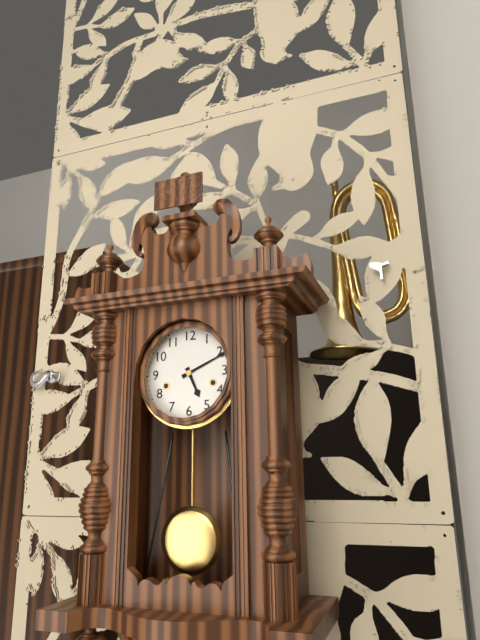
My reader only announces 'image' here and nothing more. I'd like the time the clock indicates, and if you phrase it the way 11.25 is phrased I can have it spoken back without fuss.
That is 5.11
